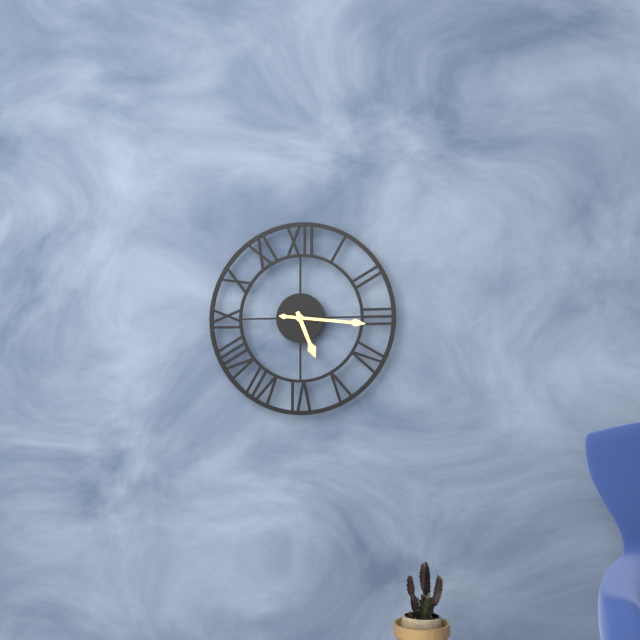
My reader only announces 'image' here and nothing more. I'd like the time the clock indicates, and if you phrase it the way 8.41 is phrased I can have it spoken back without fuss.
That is 5.16
